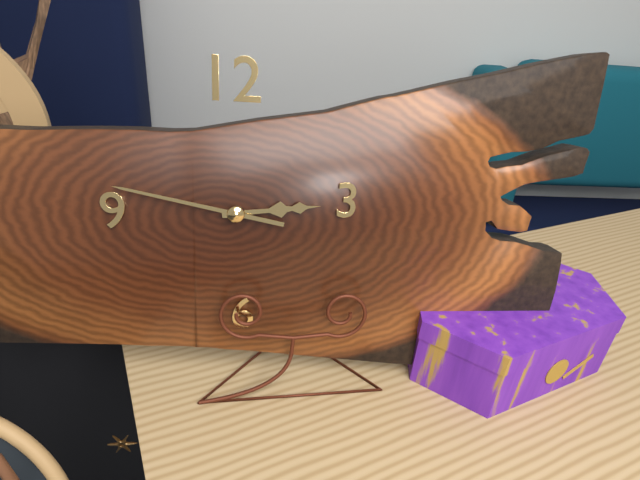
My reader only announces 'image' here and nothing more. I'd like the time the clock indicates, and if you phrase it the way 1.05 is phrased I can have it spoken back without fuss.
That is 2.47
